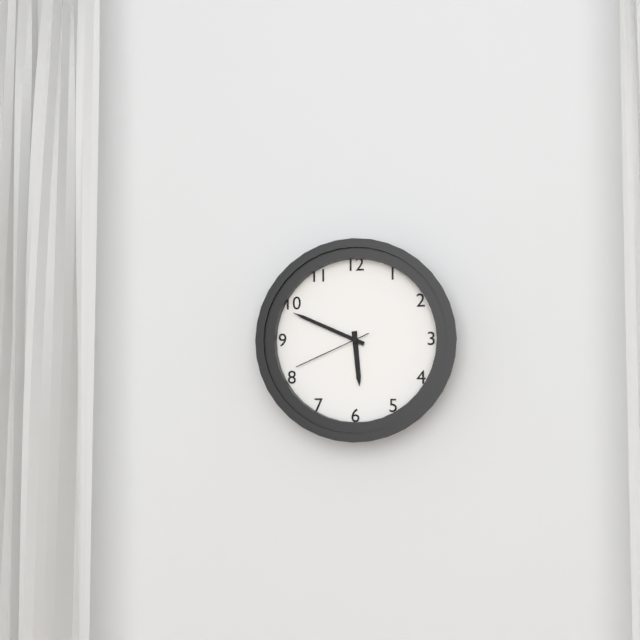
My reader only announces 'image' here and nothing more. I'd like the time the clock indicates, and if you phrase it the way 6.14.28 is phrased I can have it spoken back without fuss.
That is 5.49.41
